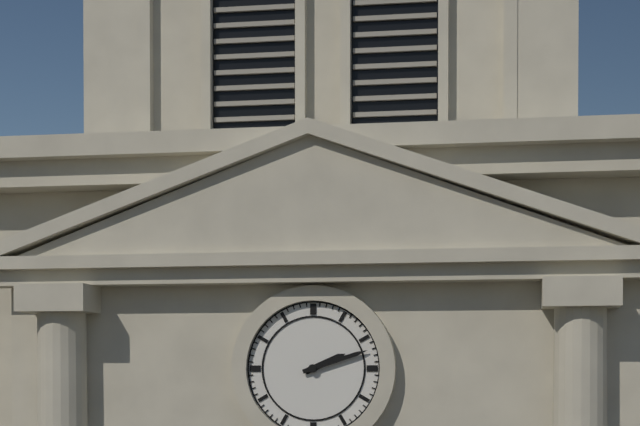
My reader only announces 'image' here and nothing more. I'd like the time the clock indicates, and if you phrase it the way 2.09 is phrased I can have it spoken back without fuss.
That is 2.12
